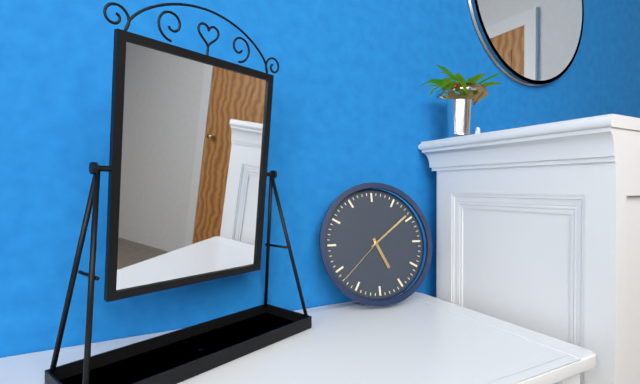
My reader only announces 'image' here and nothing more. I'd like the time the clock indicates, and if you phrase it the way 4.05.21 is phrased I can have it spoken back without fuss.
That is 5.09.38
